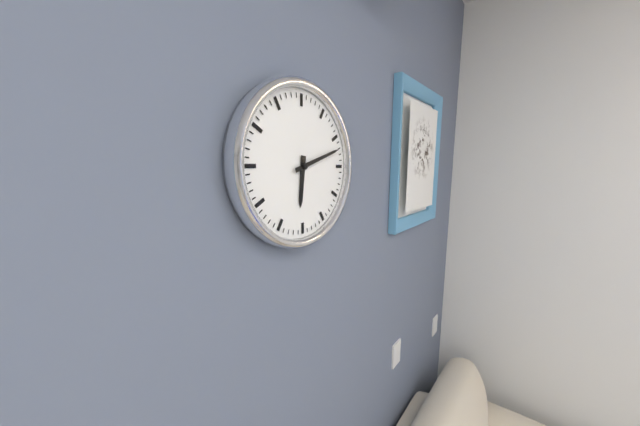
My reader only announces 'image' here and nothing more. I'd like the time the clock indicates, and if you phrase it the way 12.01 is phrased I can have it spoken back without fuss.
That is 6.12
